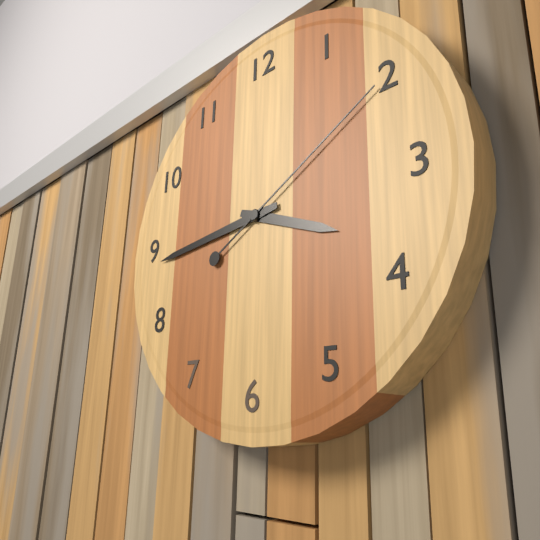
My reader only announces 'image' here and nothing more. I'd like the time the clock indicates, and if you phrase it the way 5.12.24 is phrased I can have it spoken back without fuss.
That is 3.44.10
